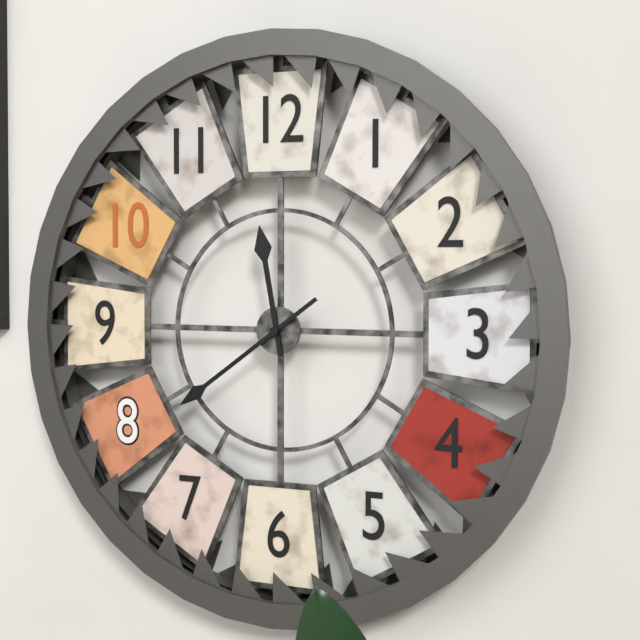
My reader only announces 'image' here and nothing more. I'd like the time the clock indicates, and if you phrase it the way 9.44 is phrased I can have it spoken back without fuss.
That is 11.39
